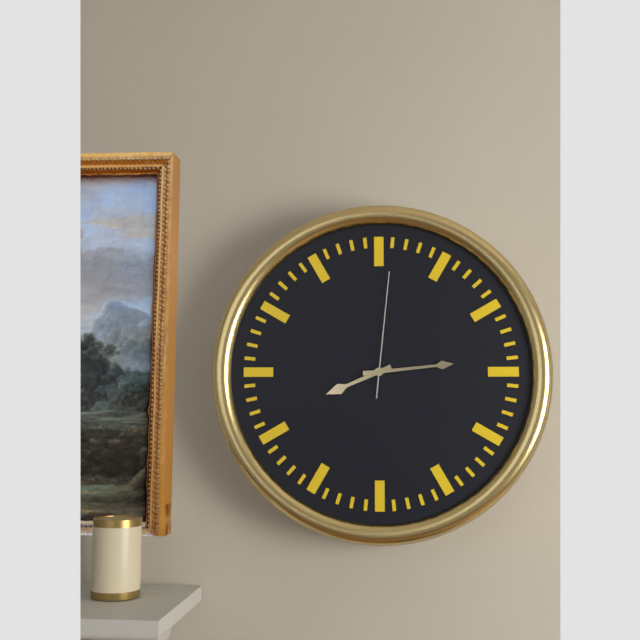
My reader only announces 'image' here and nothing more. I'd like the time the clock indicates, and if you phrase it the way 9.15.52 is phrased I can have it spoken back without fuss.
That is 8.14.01
